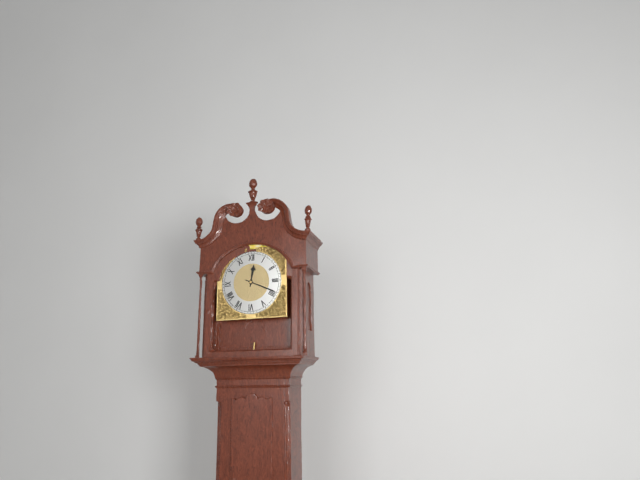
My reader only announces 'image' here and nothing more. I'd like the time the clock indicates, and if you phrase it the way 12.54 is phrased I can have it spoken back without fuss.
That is 12.19
